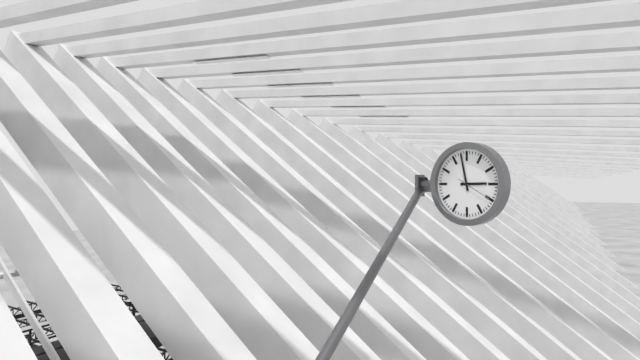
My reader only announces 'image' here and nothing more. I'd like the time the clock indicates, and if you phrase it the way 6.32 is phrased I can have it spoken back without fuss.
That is 2.58
